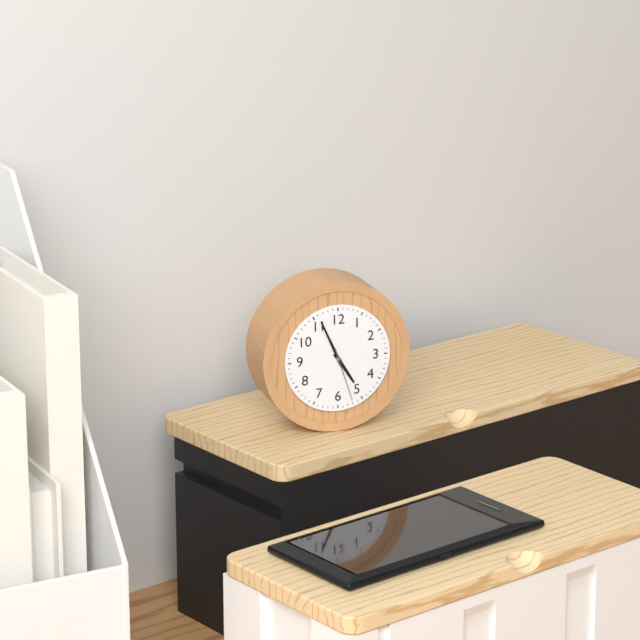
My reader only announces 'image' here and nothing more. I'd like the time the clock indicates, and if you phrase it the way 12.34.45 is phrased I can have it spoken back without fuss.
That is 4.56.27
